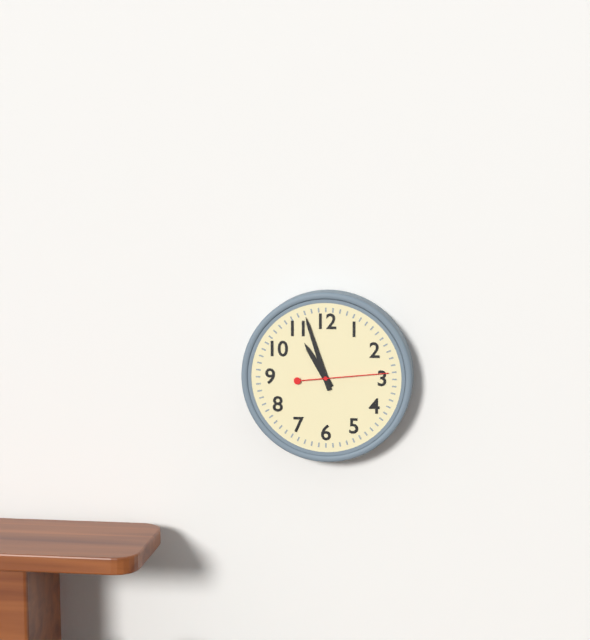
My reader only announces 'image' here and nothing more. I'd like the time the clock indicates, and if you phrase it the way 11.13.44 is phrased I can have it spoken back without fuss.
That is 10.57.14
